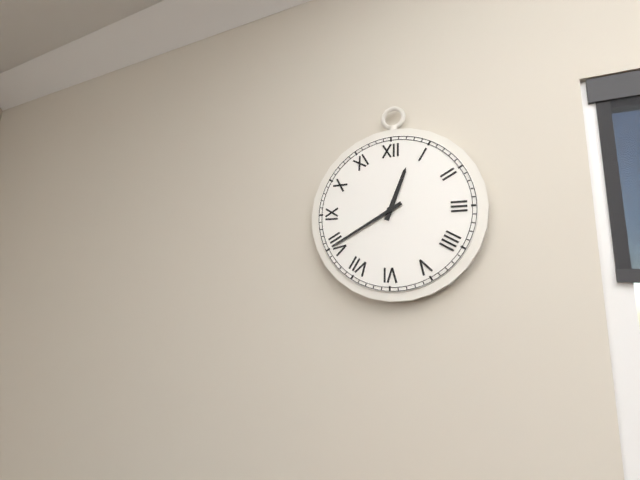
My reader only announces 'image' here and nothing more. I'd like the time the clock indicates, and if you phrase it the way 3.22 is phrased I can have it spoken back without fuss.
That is 12.40
